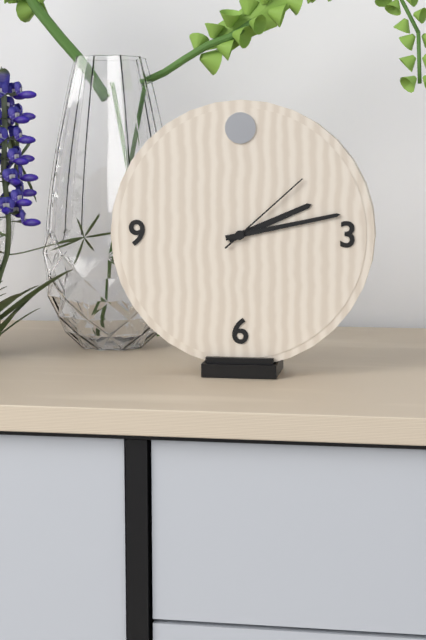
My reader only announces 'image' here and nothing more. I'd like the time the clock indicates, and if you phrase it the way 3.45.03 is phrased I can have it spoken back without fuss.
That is 2.13.08
